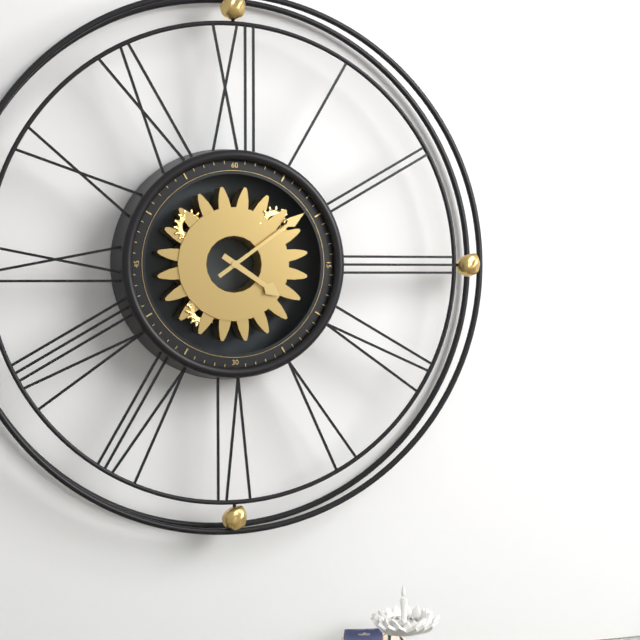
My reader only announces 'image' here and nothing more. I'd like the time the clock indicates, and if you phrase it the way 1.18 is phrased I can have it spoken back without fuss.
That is 4.09
